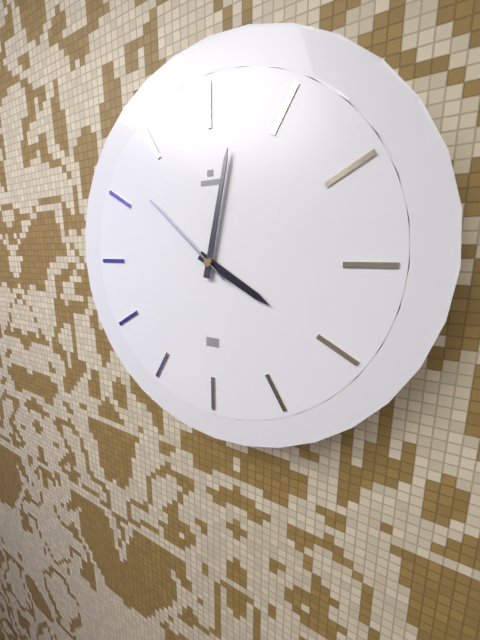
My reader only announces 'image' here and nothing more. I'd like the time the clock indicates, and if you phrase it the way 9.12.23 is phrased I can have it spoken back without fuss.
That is 4.02.52
